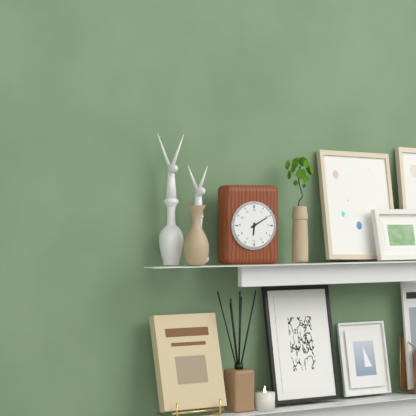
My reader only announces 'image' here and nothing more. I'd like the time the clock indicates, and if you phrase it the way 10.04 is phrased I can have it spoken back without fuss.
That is 6.10
